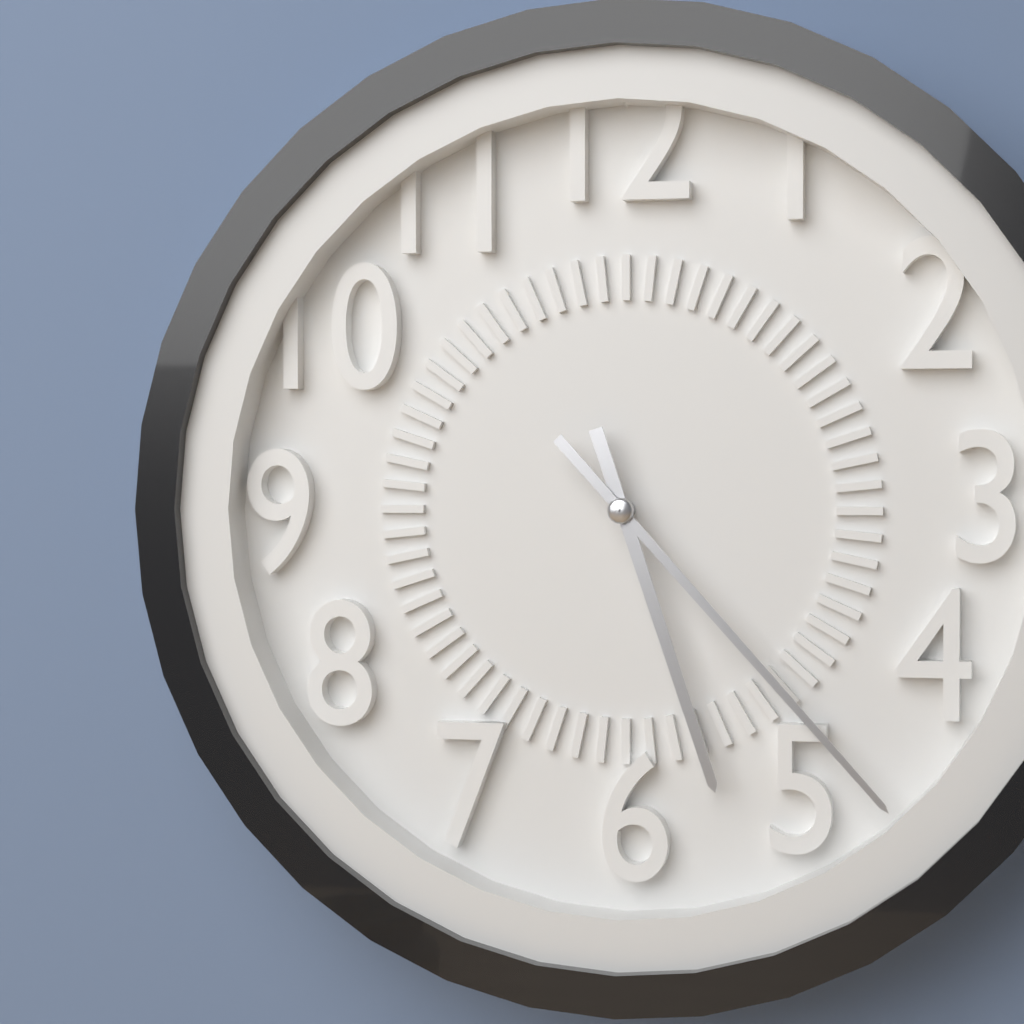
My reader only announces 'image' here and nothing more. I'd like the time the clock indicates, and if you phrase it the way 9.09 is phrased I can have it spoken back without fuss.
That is 5.23
